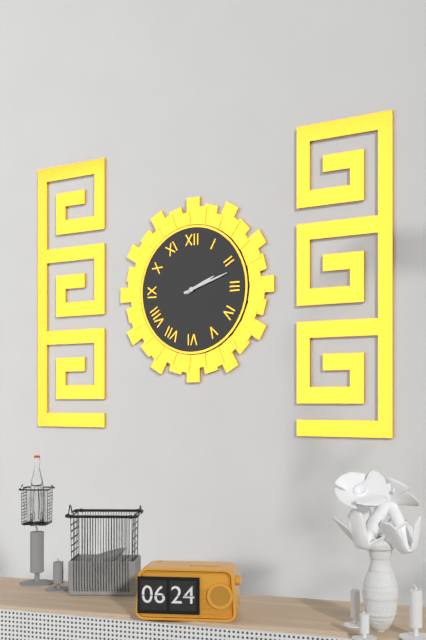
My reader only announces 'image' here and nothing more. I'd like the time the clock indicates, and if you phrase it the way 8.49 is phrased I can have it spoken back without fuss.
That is 2.12
